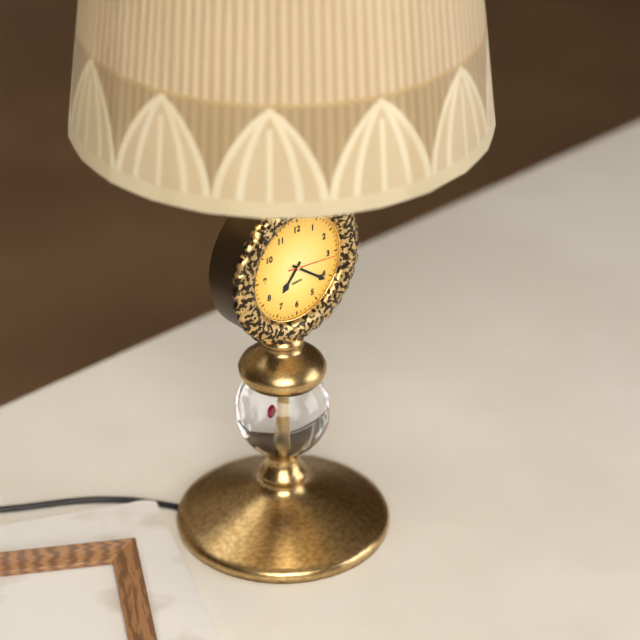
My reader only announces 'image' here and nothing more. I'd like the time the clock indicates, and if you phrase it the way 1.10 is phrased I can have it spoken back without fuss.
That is 7.21
